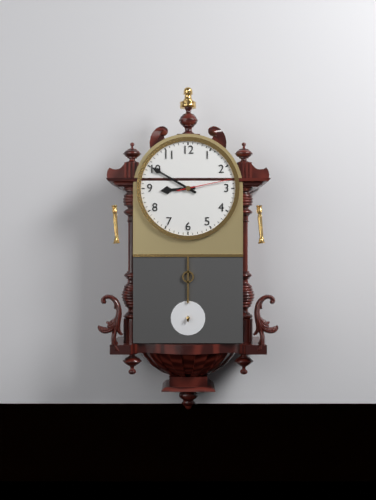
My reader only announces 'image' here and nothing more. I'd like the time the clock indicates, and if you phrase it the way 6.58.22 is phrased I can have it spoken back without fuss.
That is 8.50.13
